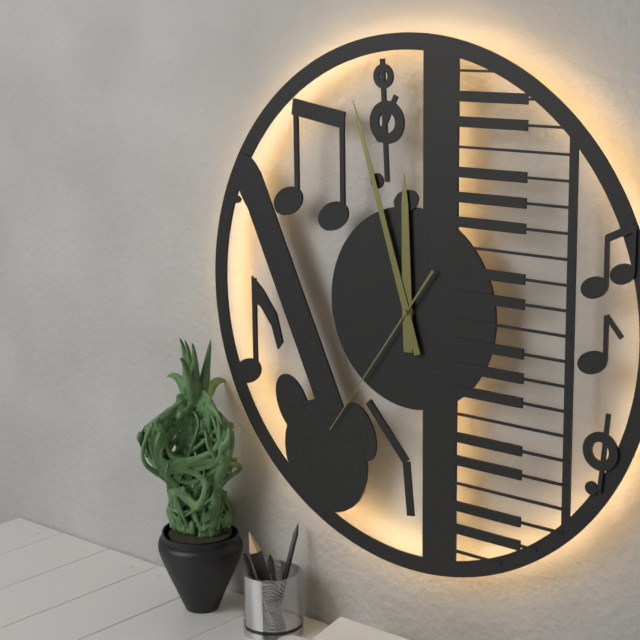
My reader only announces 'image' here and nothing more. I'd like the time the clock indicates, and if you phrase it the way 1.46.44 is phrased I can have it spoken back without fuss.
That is 11.57.36
